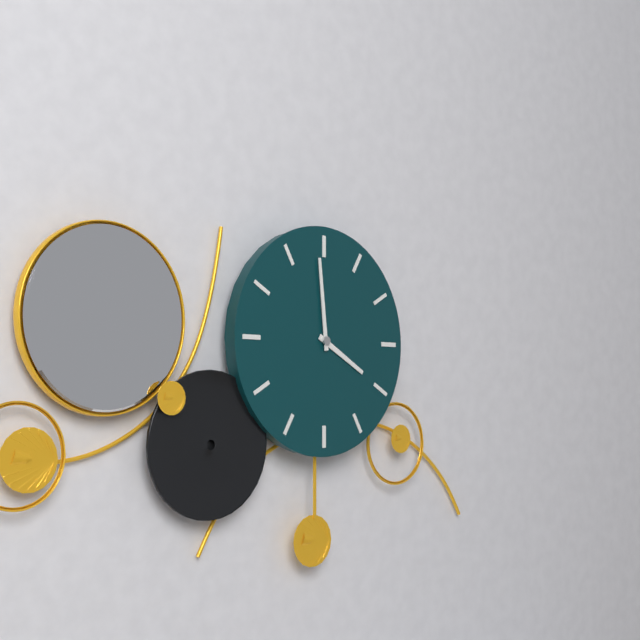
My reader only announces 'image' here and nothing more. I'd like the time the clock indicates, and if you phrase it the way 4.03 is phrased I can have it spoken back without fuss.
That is 3.59
